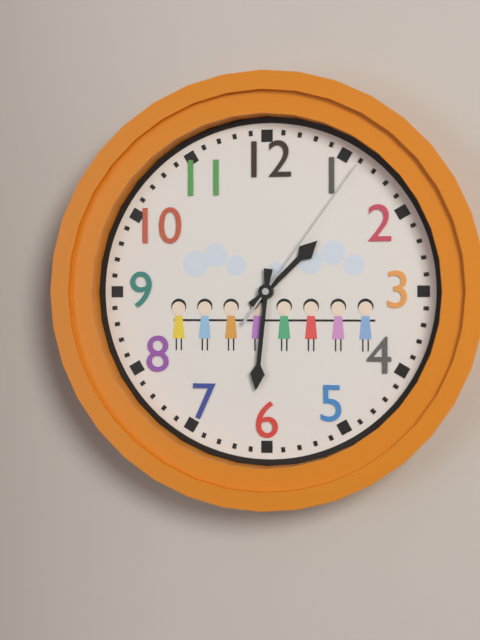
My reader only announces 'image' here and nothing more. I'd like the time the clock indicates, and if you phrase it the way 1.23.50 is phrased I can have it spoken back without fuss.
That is 1.31.06
